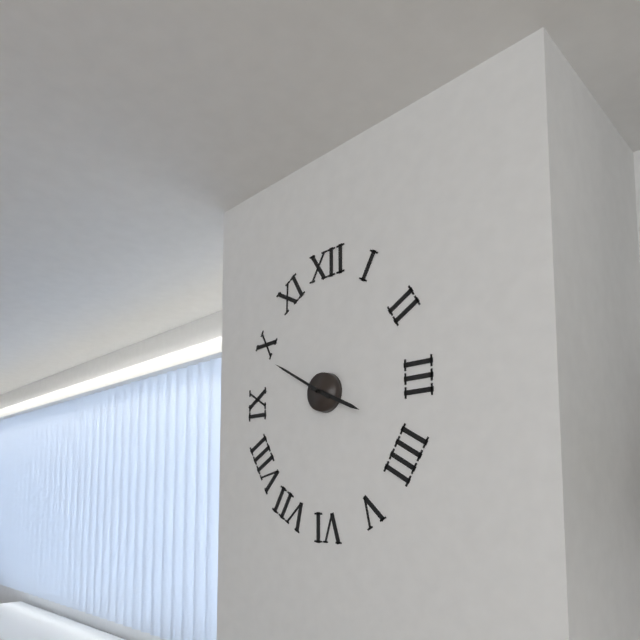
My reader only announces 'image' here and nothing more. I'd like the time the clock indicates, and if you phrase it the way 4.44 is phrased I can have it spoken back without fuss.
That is 3.50
